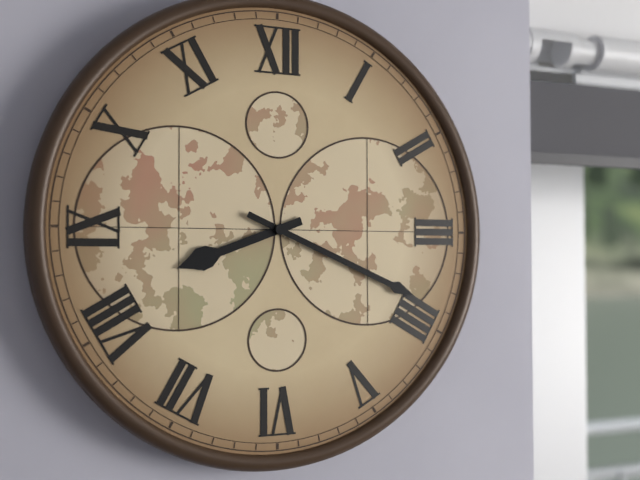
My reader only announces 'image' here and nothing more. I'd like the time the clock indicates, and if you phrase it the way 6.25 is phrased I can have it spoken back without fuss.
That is 8.19
